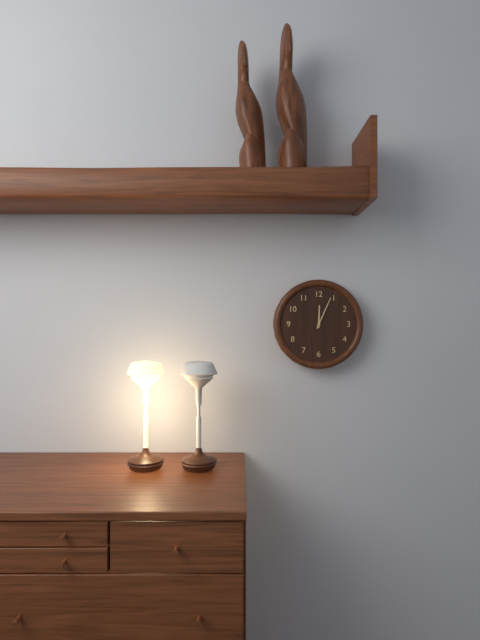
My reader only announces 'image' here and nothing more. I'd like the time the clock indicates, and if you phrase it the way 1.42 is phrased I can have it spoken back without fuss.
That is 12.04
